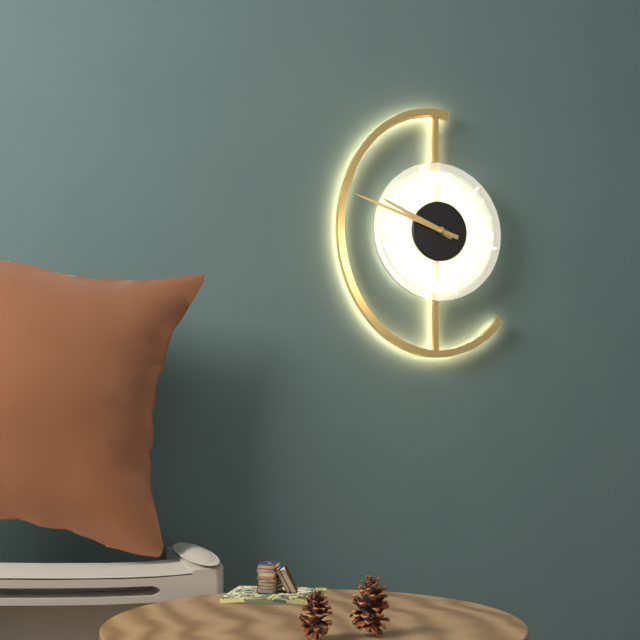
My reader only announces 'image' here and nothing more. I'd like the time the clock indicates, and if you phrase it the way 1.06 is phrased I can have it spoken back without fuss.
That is 9.48
